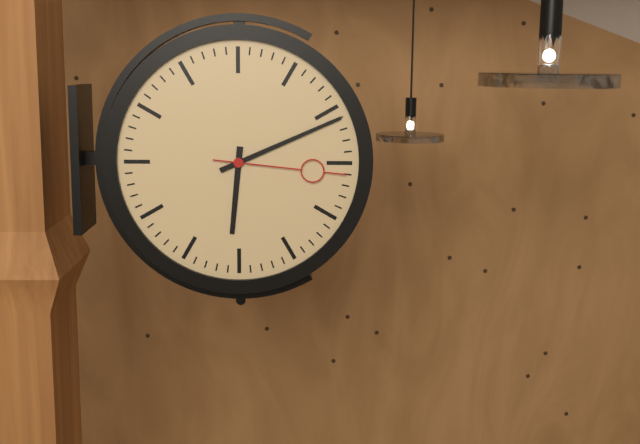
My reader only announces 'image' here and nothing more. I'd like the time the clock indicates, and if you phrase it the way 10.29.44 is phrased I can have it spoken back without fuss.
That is 6.11.16
